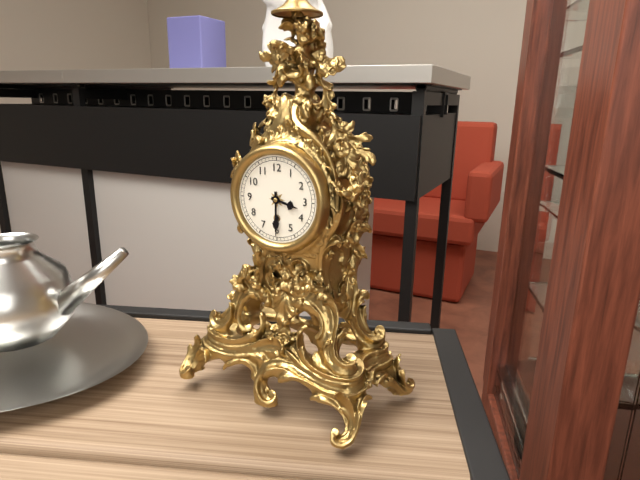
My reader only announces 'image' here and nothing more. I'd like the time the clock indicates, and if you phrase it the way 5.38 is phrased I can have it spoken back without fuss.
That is 3.30
